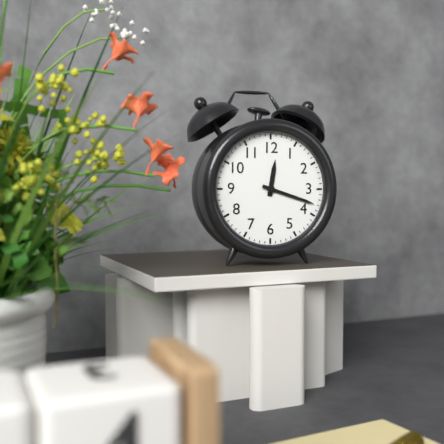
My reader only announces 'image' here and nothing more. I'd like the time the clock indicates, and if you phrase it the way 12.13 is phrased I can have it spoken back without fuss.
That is 12.18
